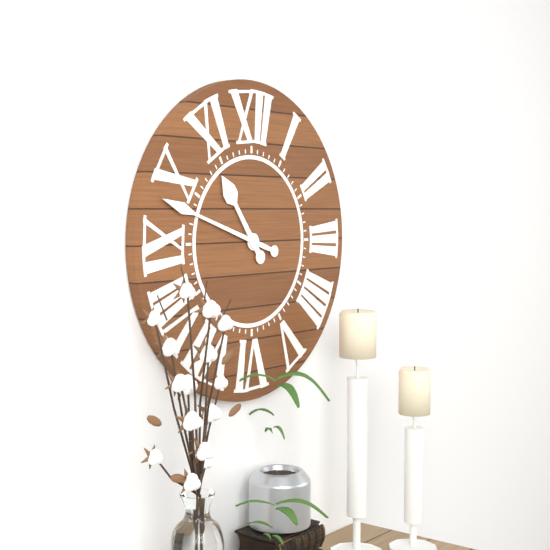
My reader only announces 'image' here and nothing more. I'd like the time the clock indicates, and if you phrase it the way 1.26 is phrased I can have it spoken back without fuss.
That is 10.48
